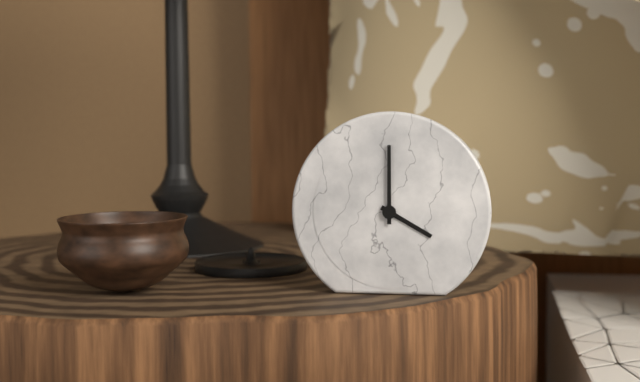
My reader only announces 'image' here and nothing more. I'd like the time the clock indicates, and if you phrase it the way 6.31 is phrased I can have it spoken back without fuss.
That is 4.00
